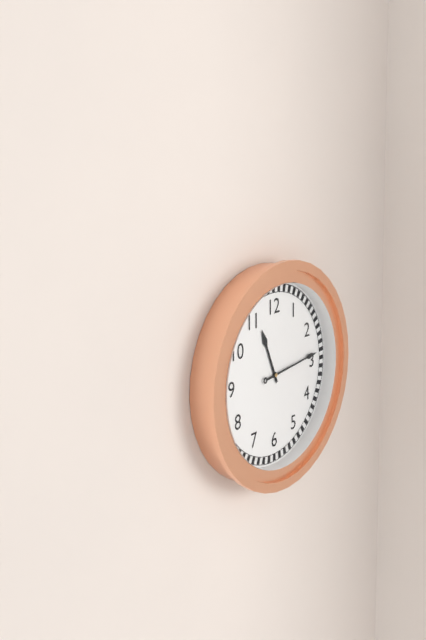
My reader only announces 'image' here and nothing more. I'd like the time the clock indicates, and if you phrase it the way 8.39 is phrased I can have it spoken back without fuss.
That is 11.14
